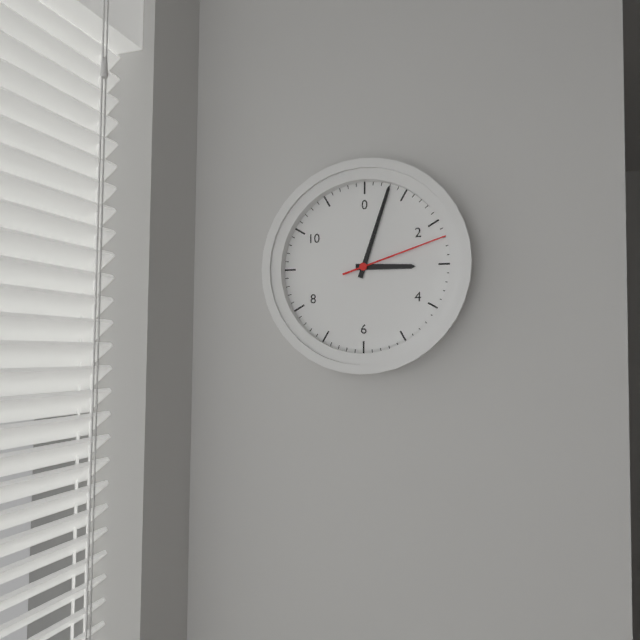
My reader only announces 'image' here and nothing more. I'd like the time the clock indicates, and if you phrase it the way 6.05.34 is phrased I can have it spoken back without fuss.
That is 3.03.12
